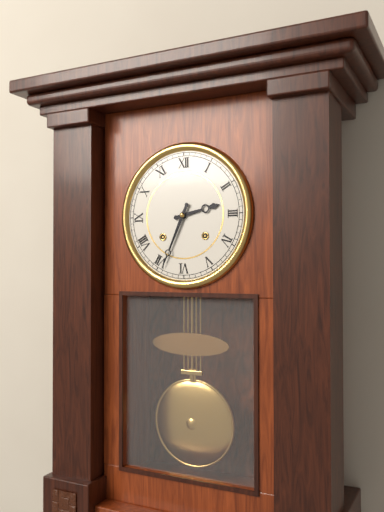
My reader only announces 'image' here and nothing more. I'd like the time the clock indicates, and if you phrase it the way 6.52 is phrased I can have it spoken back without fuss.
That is 2.34
